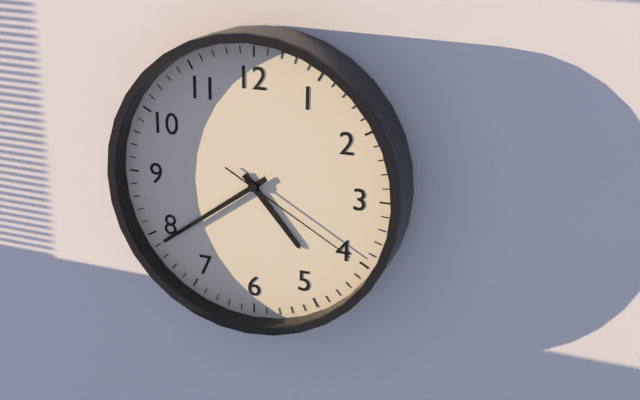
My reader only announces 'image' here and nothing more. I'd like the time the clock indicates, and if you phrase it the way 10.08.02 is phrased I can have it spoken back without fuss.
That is 4.39.20
